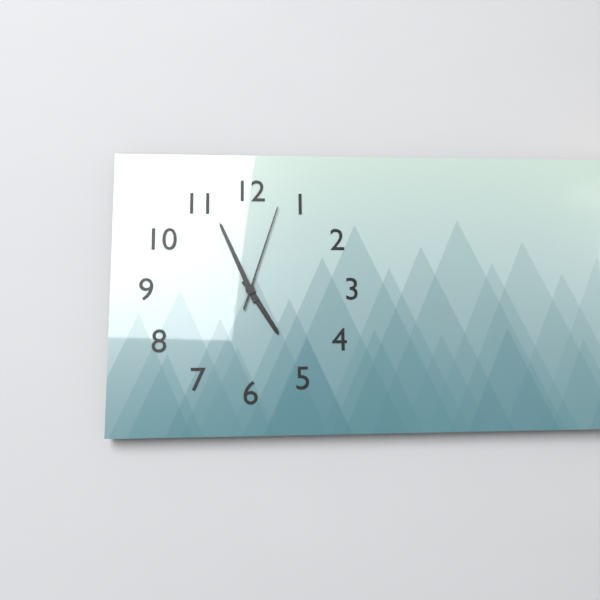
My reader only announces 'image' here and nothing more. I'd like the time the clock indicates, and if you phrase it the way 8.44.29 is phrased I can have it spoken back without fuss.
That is 4.56.03
